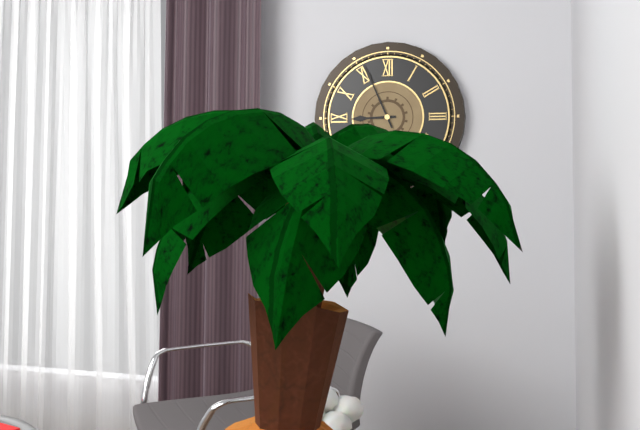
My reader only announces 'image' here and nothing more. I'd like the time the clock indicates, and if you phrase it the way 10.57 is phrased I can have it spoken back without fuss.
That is 8.56
